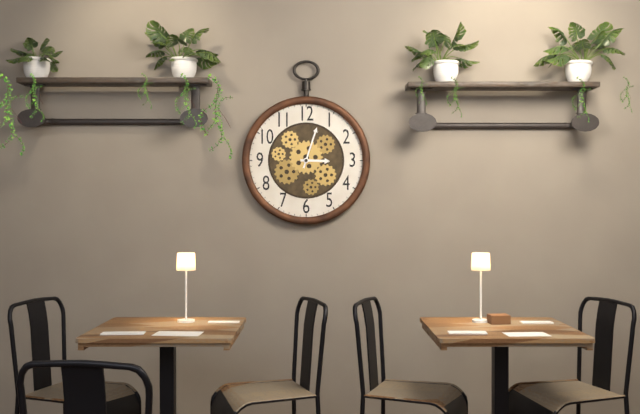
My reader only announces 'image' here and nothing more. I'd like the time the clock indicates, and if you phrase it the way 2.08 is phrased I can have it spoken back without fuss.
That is 3.03
